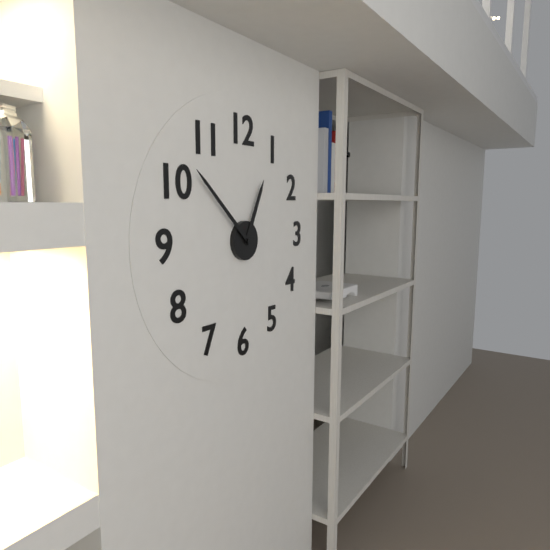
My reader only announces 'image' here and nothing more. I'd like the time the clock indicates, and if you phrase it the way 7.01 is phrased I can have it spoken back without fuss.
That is 12.52
